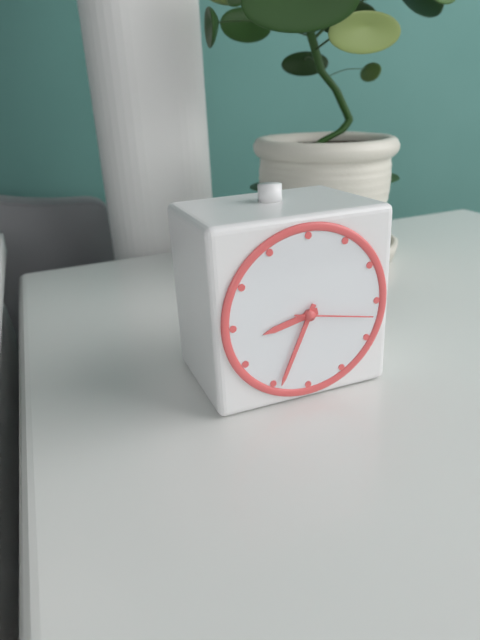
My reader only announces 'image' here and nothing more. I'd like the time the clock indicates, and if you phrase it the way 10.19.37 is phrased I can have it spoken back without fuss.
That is 8.34.17
